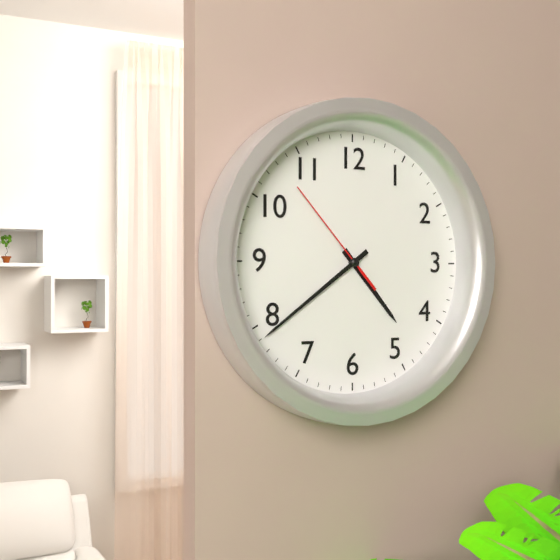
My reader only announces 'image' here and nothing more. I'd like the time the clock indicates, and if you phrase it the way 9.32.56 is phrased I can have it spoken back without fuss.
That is 4.39.53
